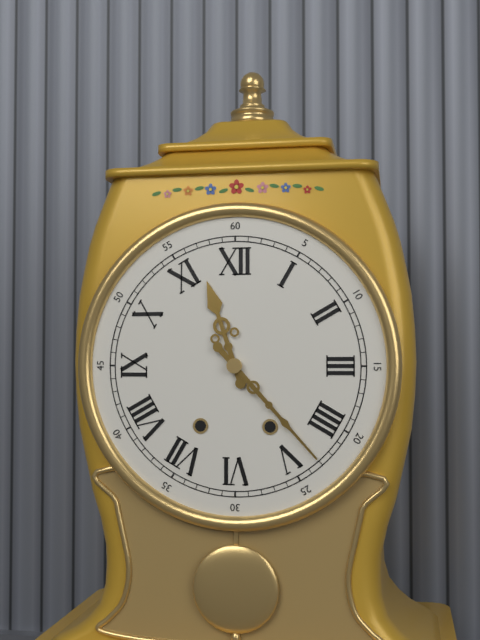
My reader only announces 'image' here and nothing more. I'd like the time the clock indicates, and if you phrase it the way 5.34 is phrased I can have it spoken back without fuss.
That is 11.23
